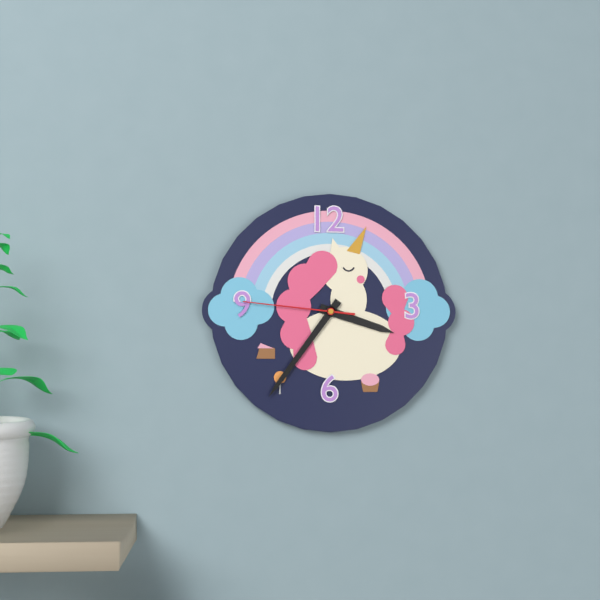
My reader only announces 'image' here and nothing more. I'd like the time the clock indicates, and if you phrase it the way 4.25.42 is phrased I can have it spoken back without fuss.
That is 3.36.46
